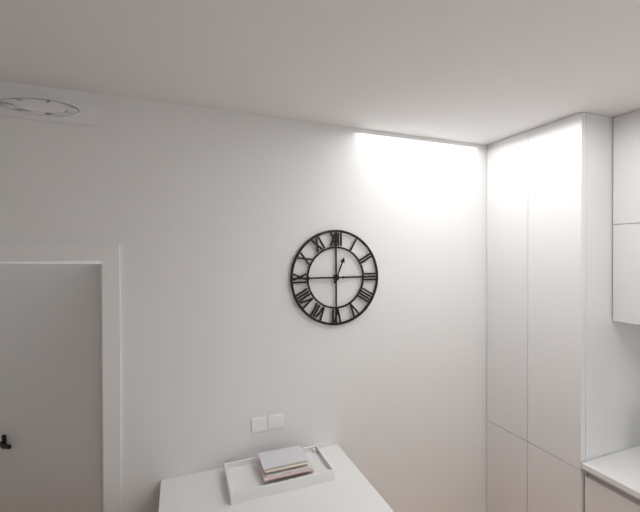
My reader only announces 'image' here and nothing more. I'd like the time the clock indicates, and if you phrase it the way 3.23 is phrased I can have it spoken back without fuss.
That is 12.45
